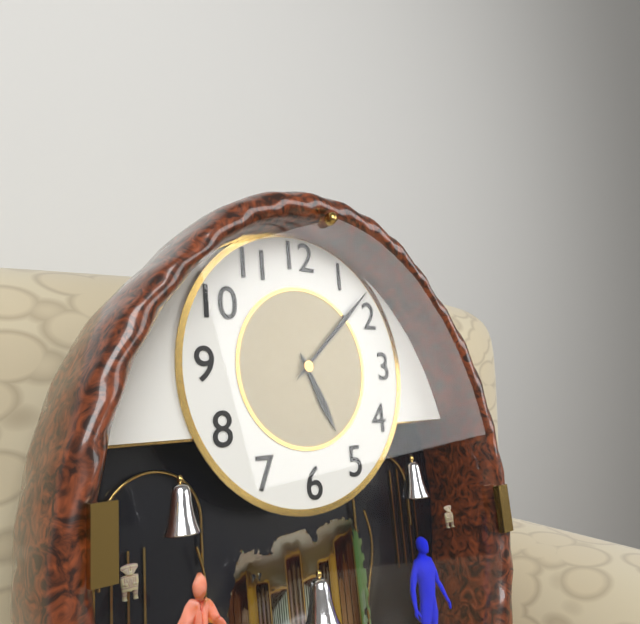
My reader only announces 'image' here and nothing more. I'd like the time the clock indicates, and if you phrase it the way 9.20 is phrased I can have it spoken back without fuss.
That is 5.08
